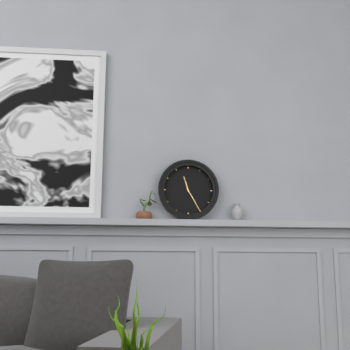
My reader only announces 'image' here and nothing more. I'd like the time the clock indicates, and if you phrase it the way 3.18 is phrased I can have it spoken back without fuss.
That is 11.25
